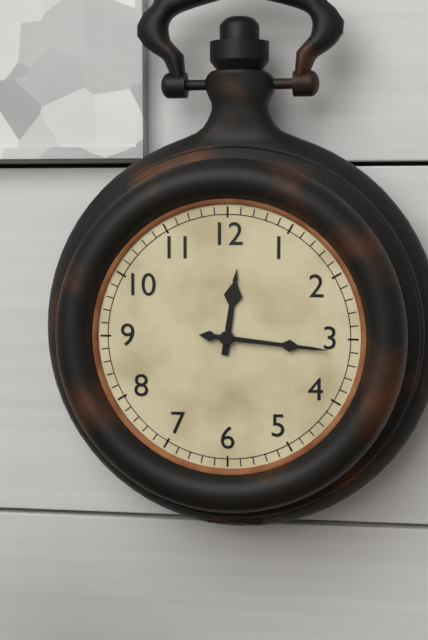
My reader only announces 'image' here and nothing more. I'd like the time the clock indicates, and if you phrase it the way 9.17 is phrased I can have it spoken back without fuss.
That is 12.16
